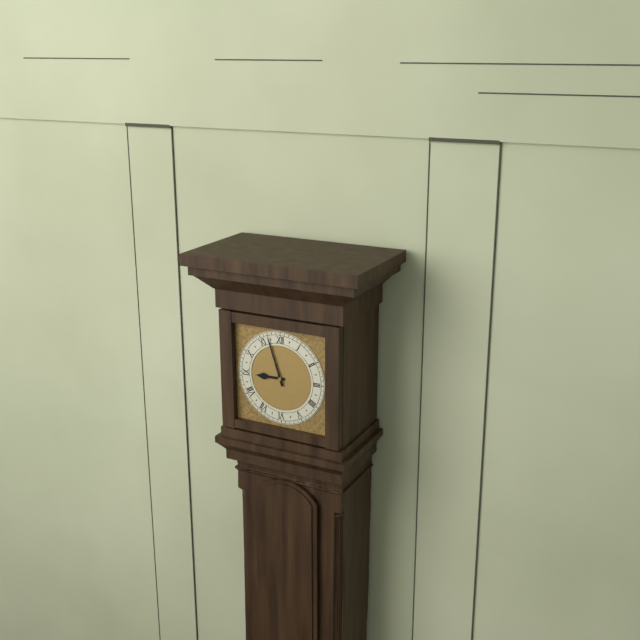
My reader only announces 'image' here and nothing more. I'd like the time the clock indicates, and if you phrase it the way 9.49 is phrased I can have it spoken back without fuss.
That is 8.57
